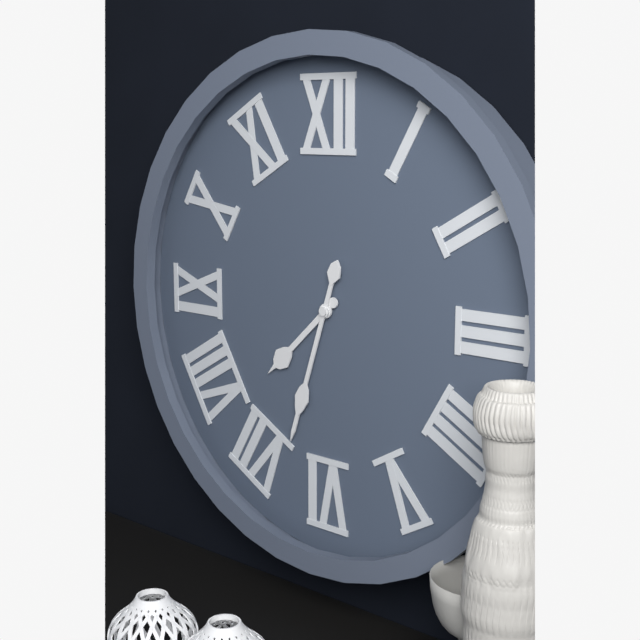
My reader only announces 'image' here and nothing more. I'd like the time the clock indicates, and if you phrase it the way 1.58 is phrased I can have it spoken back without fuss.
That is 7.33
